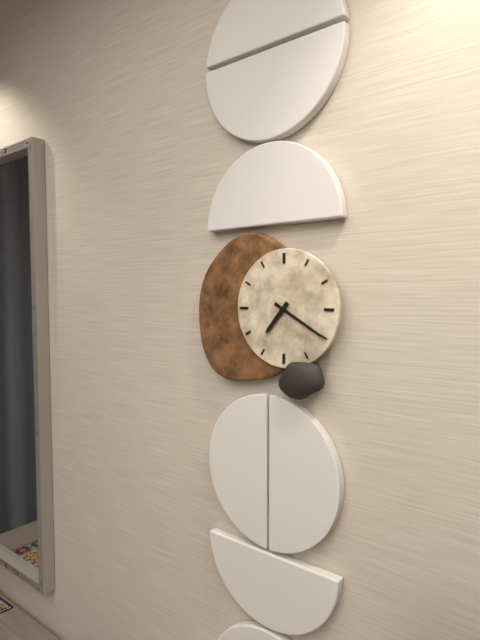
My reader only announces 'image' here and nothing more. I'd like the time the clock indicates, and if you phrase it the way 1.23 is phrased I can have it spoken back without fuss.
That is 7.20
